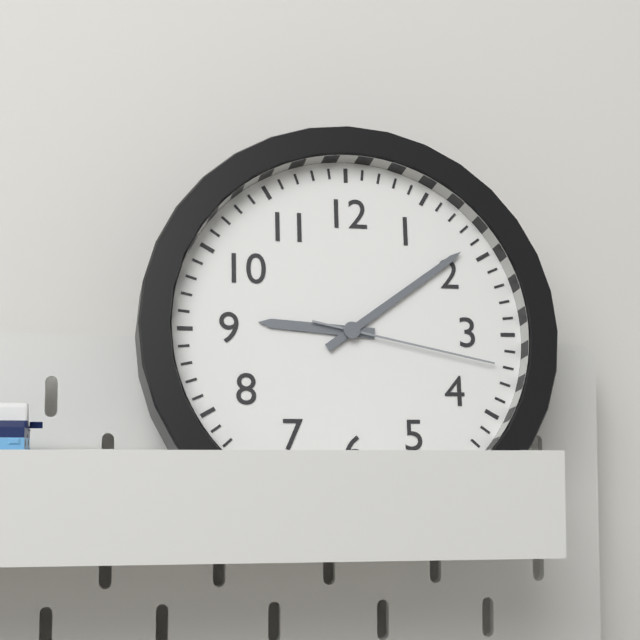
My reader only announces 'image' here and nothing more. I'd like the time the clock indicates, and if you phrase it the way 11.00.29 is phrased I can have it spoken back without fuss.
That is 9.09.17
